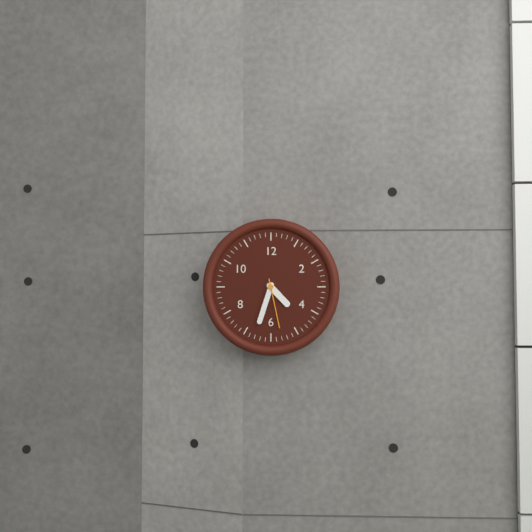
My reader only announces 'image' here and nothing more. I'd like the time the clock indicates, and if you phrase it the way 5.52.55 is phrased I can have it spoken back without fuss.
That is 4.33.28
